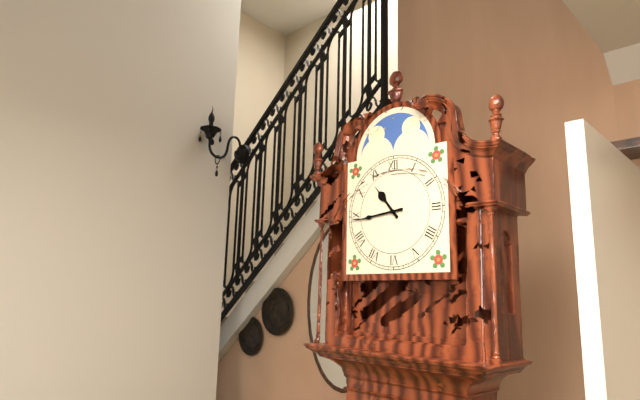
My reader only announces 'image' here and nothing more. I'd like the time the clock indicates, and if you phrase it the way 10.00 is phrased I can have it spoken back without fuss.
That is 10.44
